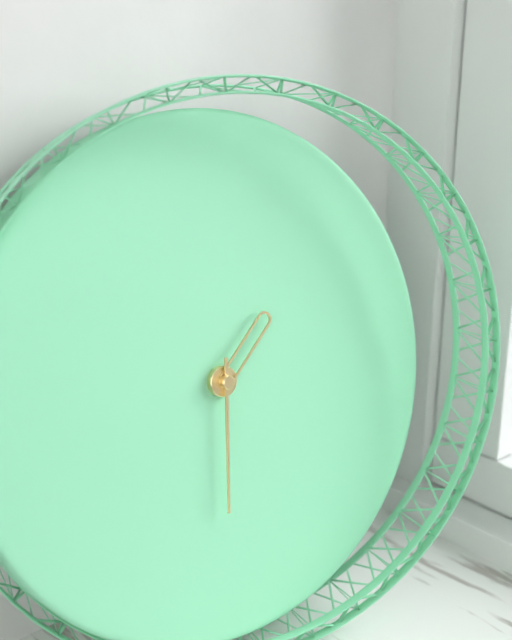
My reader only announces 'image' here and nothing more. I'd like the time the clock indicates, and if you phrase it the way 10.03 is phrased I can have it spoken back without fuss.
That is 1.31
